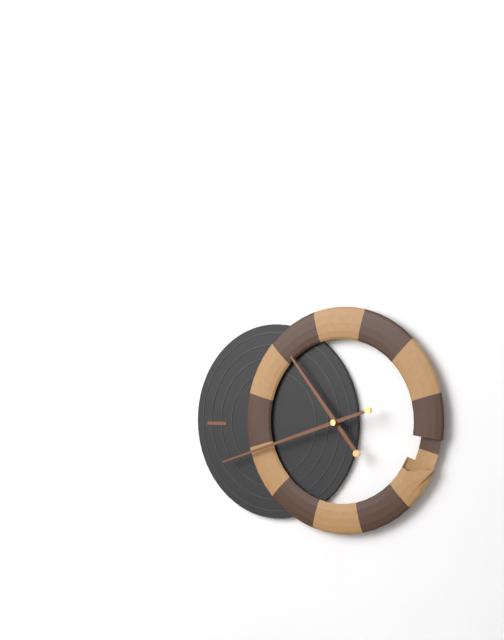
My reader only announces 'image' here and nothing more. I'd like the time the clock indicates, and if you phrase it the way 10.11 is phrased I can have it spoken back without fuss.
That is 10.42
